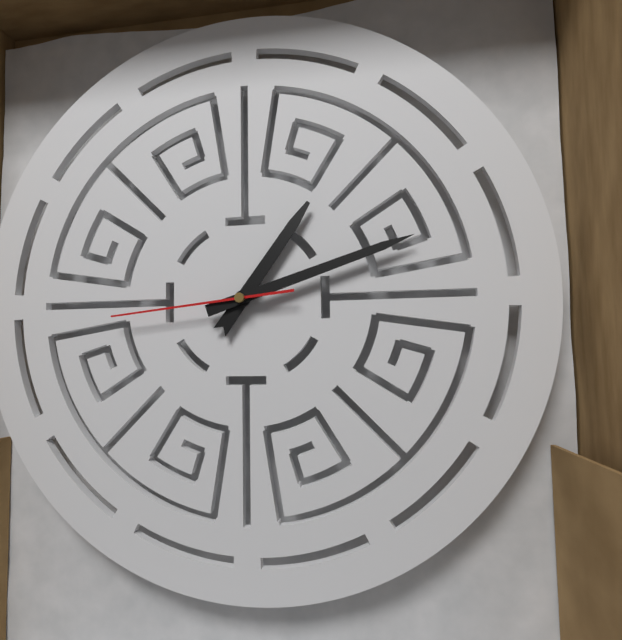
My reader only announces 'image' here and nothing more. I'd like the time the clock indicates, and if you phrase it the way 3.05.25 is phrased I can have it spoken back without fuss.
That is 1.12.44
